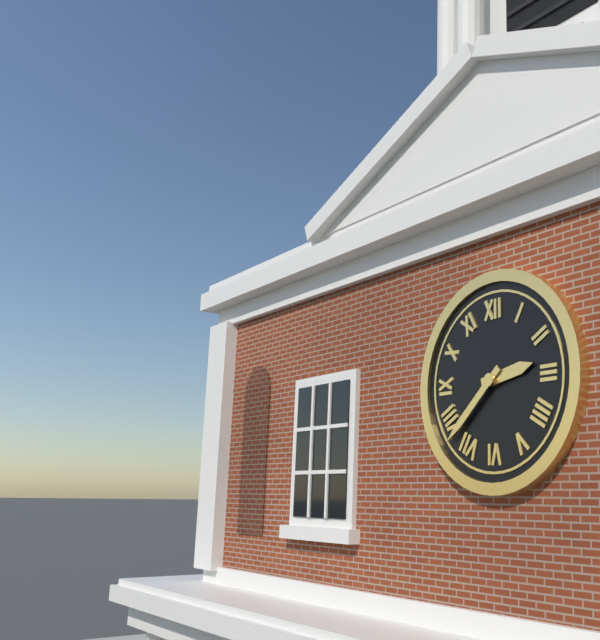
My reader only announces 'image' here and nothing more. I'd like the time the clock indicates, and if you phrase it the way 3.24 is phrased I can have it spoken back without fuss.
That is 2.38
